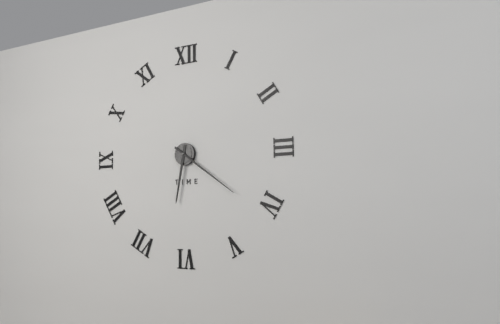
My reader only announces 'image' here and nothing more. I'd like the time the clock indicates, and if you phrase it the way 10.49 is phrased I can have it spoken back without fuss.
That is 6.21
